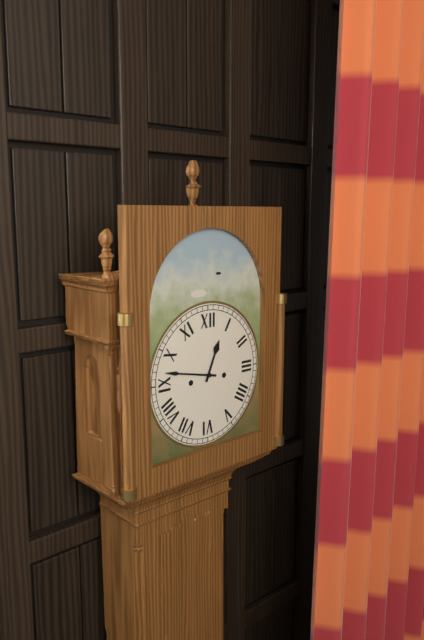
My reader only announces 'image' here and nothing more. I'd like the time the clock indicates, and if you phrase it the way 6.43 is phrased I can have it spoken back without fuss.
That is 12.47
